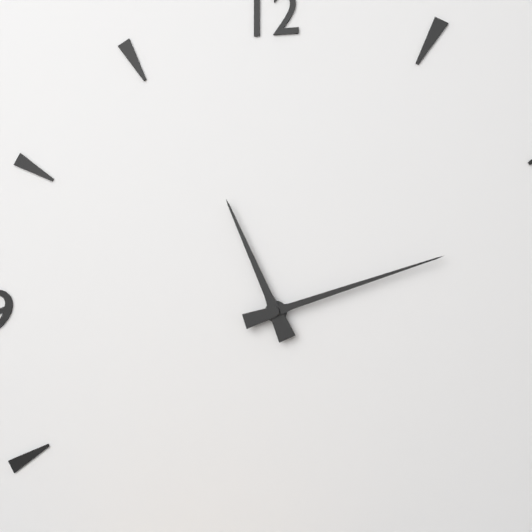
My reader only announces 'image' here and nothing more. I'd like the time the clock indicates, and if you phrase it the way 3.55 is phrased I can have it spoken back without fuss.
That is 11.12
